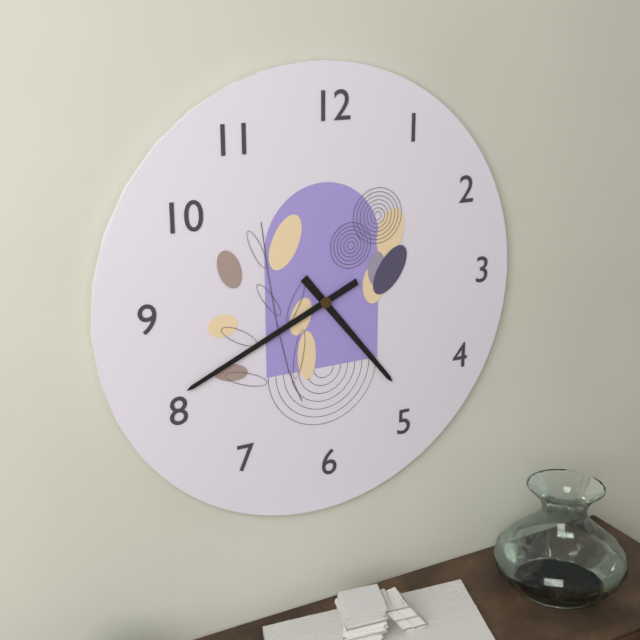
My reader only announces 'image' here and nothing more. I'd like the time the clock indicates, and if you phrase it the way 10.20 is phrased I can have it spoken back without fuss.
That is 4.41
